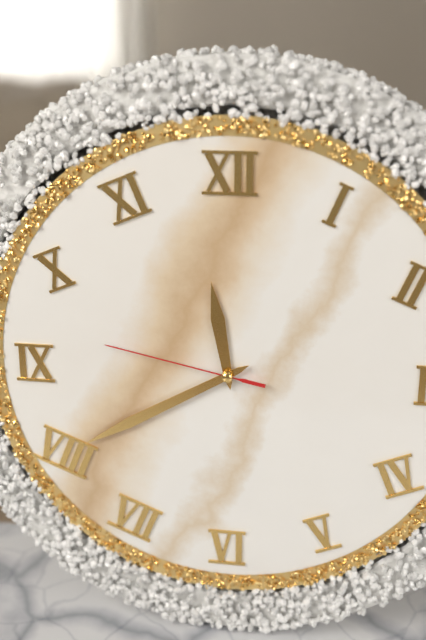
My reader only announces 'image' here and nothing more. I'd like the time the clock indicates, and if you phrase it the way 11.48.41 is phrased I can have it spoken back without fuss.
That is 11.40.47
